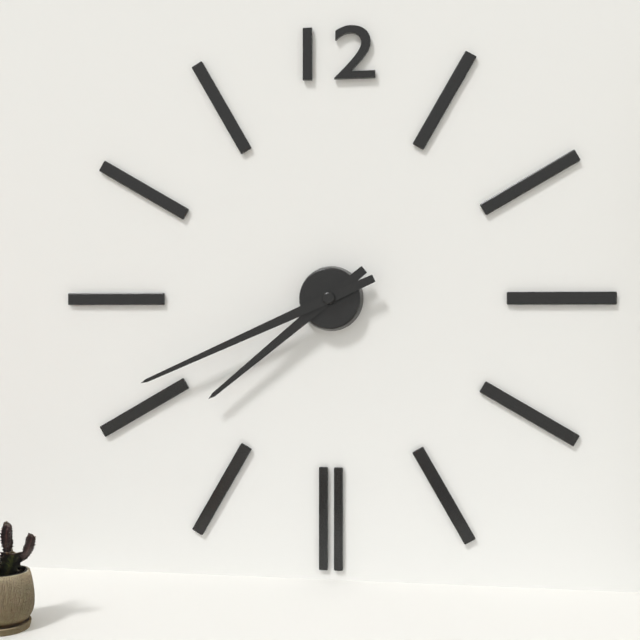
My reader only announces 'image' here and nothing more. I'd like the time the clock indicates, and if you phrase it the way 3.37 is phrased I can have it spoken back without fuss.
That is 7.41
